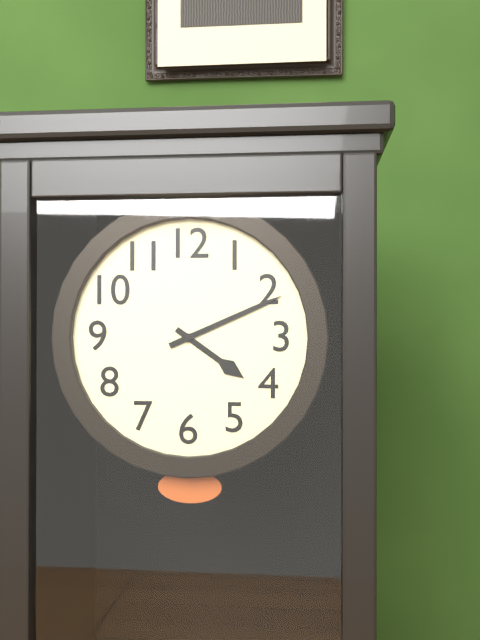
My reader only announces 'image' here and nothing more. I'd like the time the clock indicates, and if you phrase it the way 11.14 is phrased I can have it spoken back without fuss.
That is 4.11
